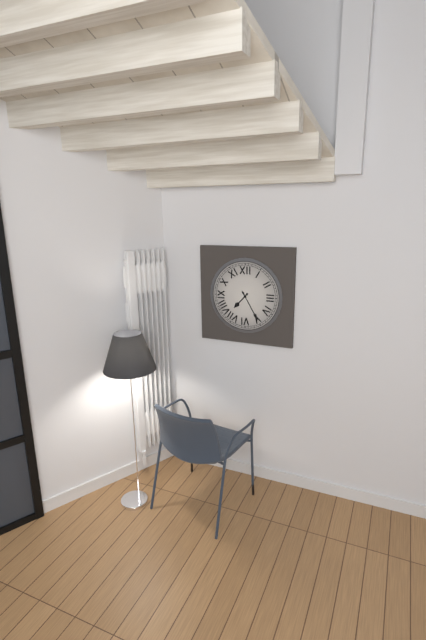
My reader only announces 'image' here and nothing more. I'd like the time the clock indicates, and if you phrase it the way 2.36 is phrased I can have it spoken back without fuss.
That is 7.25
